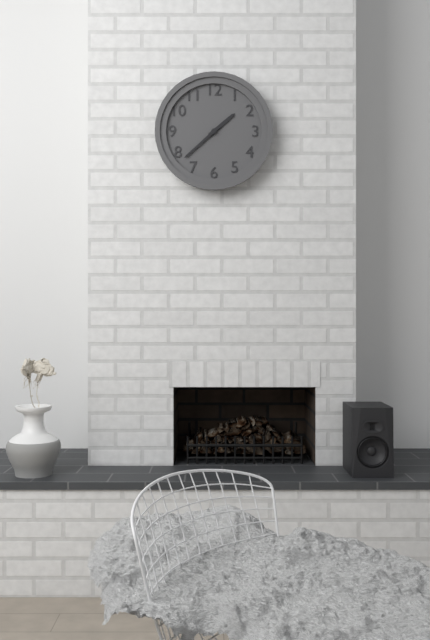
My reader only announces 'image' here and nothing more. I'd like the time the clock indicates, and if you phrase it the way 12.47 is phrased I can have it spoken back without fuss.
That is 1.38
